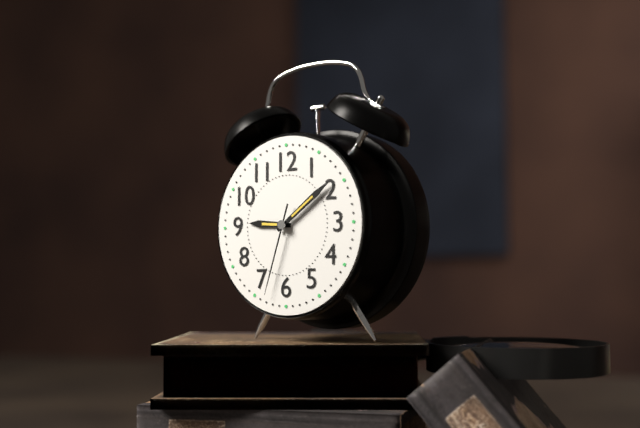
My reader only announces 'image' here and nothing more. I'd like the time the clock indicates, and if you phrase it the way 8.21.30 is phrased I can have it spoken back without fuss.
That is 9.09.33
